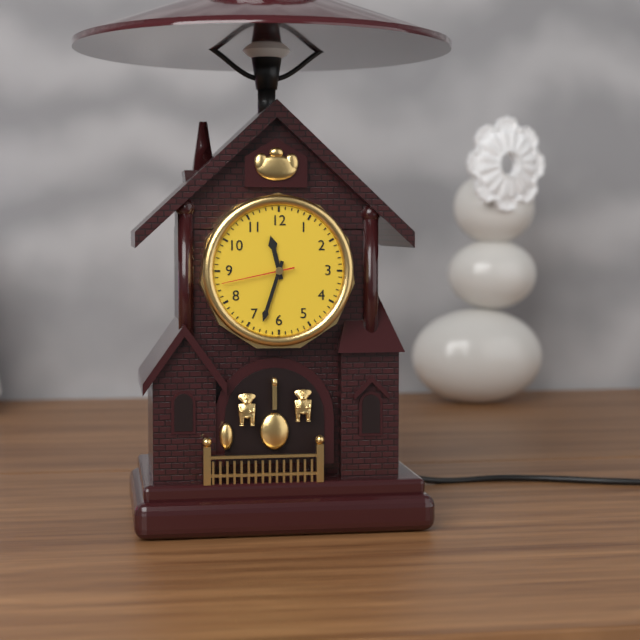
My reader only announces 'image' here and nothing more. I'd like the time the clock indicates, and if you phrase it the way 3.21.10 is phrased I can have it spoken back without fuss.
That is 11.33.43
